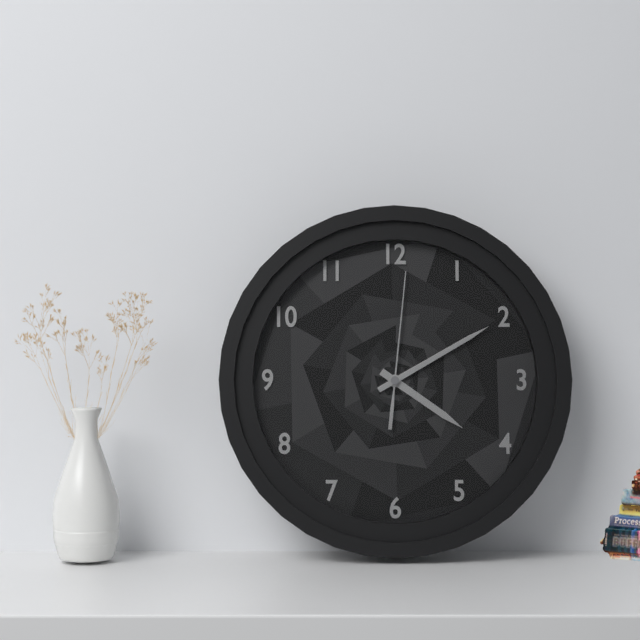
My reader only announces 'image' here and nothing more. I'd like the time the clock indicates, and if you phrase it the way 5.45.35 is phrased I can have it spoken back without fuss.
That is 4.10.01
